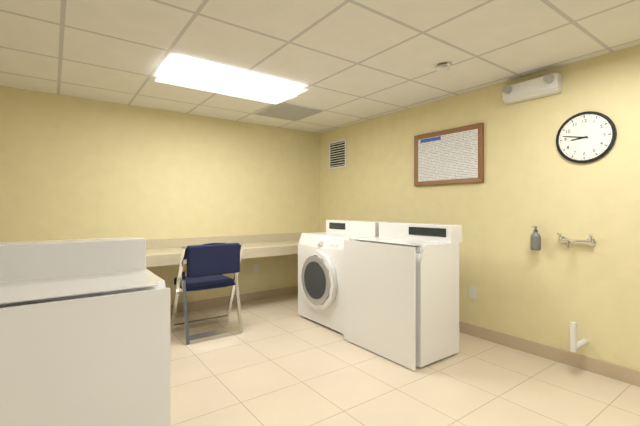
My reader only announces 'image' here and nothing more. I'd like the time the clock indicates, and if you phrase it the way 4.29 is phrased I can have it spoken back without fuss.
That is 8.47
